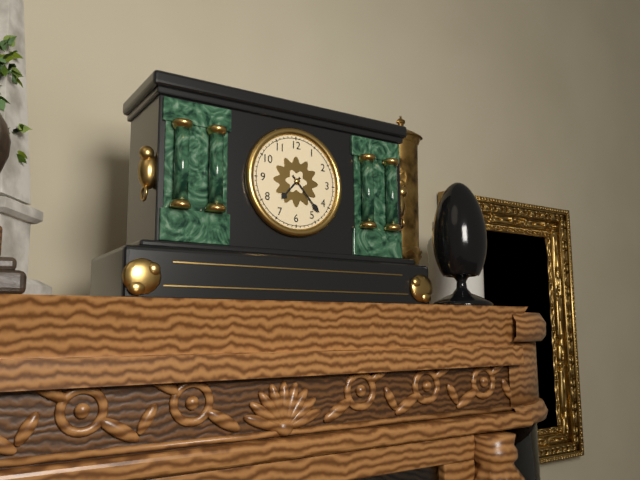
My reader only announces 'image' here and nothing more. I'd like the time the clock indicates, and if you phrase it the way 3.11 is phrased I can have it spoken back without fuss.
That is 7.23
